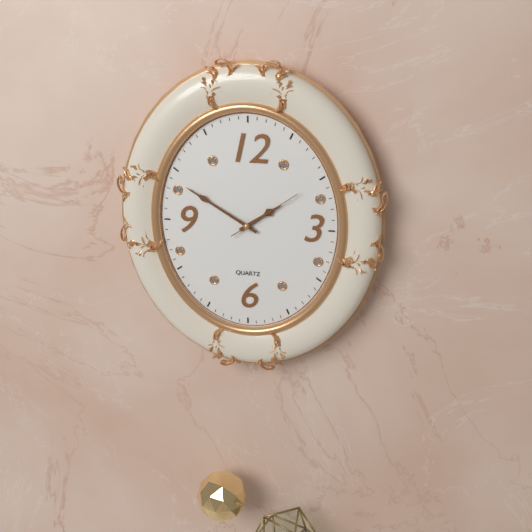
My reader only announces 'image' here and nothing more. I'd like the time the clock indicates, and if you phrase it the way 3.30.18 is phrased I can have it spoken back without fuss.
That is 1.50.09
